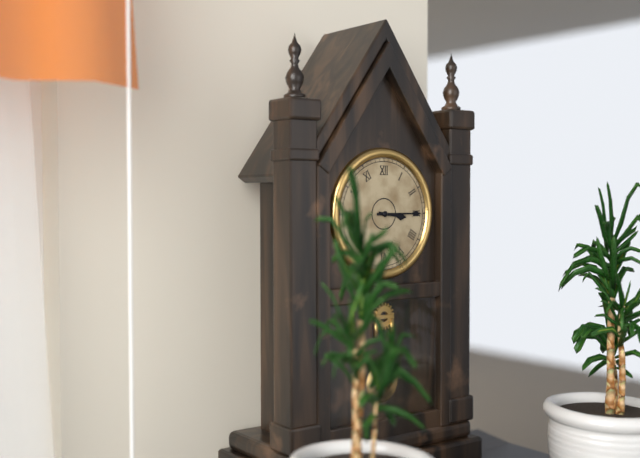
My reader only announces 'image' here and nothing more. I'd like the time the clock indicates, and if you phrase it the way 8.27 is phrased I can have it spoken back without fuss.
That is 3.15
